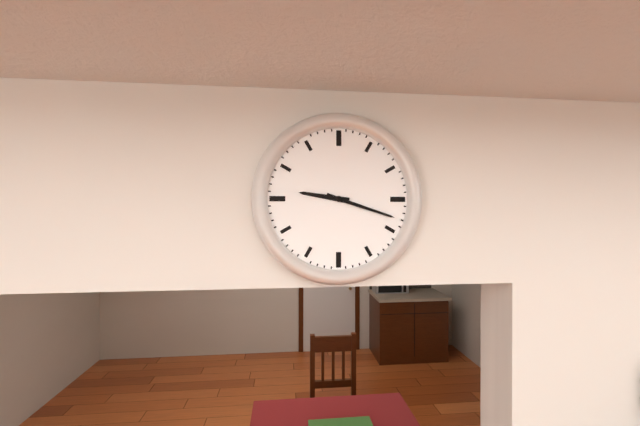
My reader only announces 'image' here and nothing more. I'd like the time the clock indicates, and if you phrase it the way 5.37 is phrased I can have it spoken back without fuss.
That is 9.18
